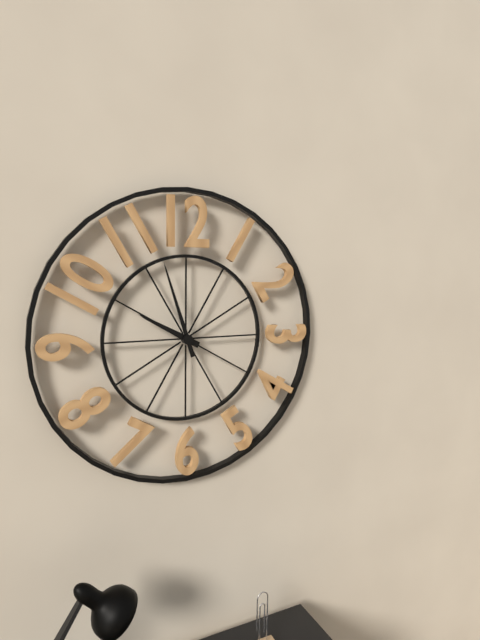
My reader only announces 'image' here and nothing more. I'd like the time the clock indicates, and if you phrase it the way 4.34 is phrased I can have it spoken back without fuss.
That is 9.57
